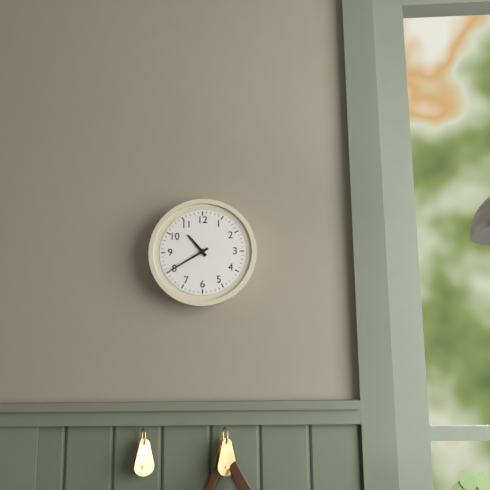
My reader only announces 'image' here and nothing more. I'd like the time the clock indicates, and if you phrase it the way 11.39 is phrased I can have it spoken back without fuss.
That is 10.40
